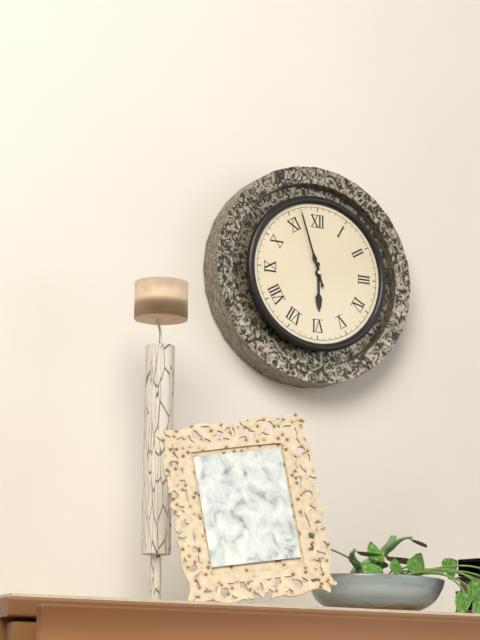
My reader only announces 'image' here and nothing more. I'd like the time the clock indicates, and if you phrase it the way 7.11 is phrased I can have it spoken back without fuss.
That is 5.57
